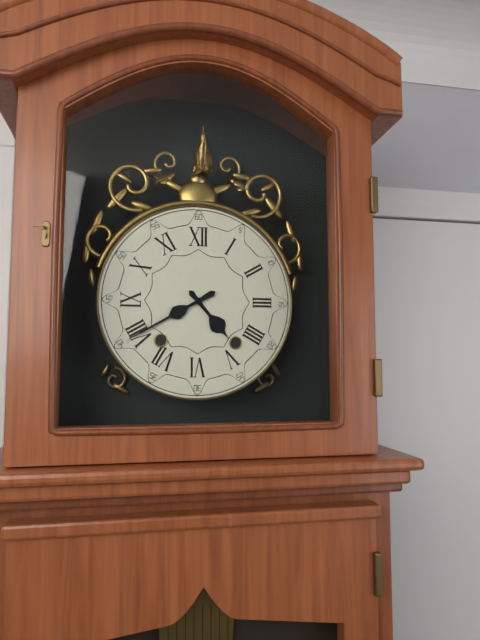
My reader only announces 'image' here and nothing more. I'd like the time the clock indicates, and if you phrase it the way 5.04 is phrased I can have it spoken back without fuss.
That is 4.40
